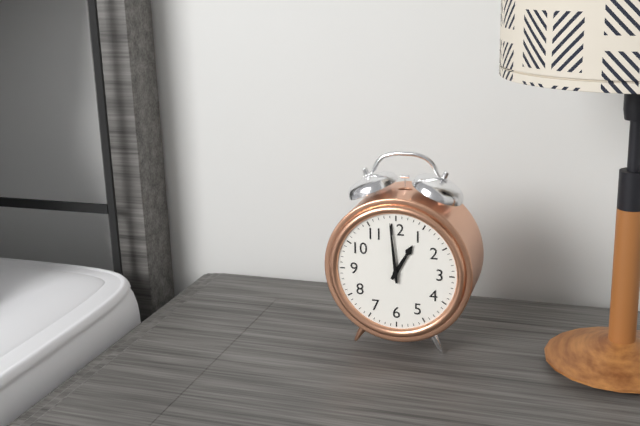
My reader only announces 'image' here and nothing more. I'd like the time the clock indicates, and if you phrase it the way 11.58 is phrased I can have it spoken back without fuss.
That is 12.59
